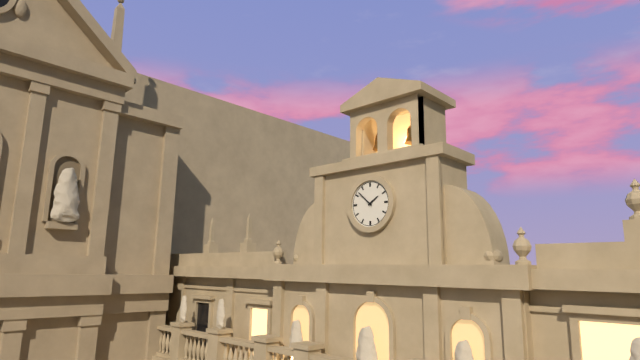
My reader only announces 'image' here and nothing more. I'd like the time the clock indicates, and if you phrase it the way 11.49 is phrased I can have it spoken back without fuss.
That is 1.52
